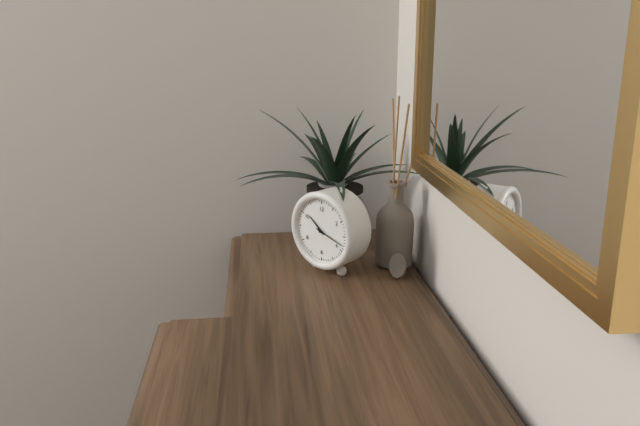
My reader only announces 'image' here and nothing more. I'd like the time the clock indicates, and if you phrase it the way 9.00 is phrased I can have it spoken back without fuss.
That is 10.18
